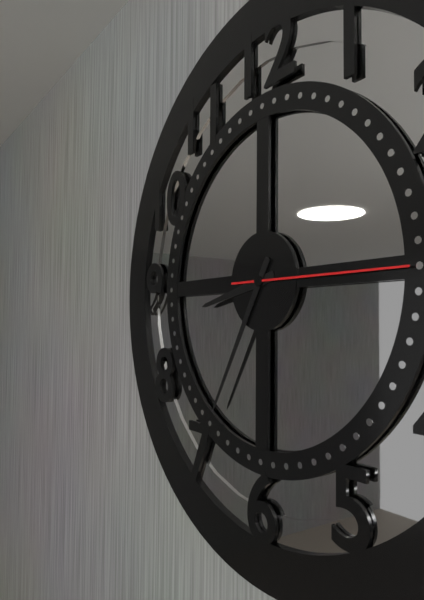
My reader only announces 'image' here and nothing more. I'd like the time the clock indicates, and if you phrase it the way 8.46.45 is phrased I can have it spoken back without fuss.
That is 8.35.15
